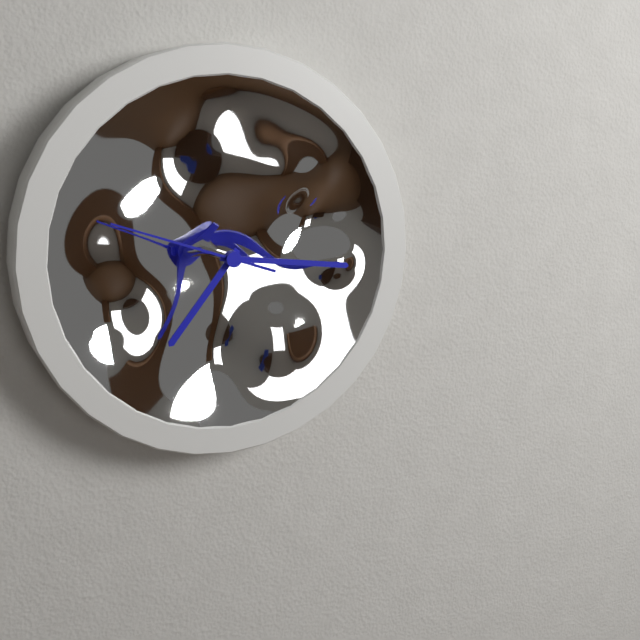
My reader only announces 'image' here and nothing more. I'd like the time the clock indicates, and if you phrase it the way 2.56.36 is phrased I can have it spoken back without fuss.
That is 7.16.48
